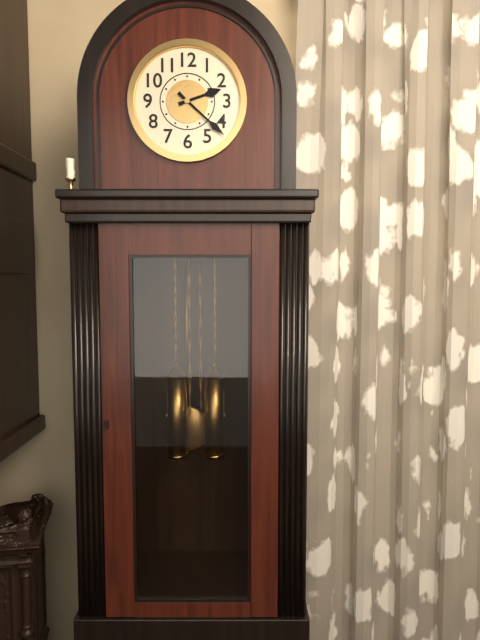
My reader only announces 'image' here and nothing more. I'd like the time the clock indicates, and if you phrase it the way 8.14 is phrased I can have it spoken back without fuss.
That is 2.22
